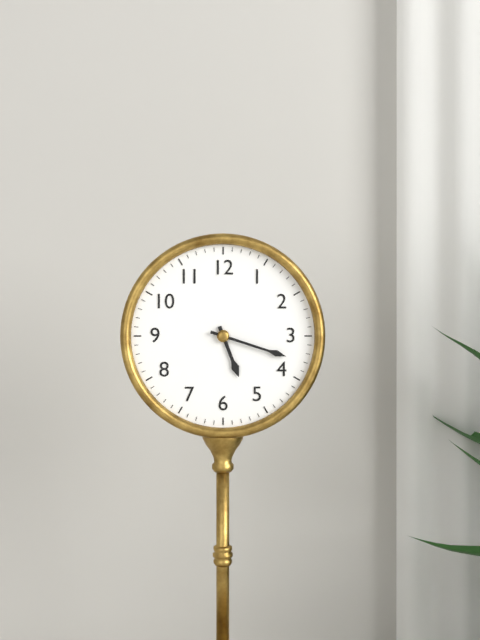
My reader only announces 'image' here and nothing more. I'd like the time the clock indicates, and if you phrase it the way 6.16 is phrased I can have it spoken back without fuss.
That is 5.18
